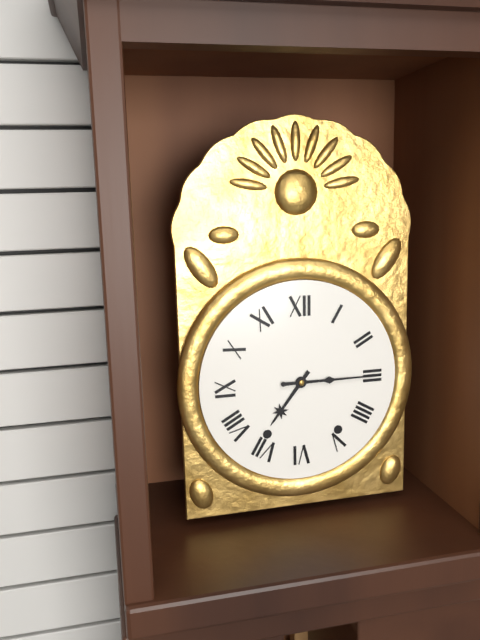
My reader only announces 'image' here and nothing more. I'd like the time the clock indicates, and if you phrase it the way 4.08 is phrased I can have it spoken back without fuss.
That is 7.15
